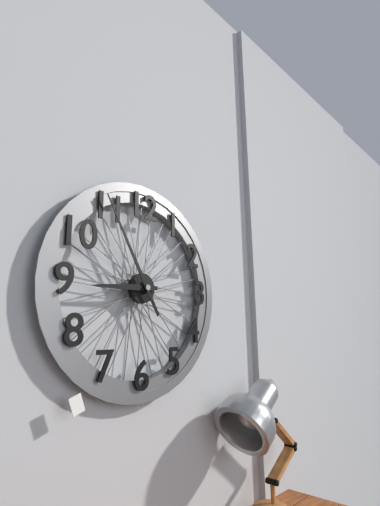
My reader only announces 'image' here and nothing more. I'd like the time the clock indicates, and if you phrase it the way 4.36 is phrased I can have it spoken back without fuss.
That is 8.55
